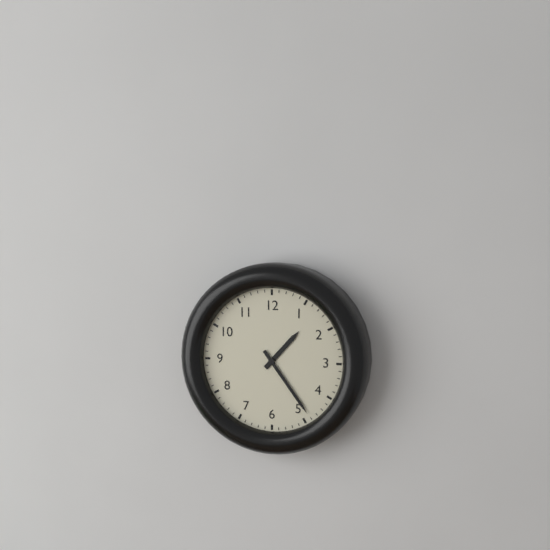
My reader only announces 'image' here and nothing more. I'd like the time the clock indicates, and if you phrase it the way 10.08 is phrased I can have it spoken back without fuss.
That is 1.24
